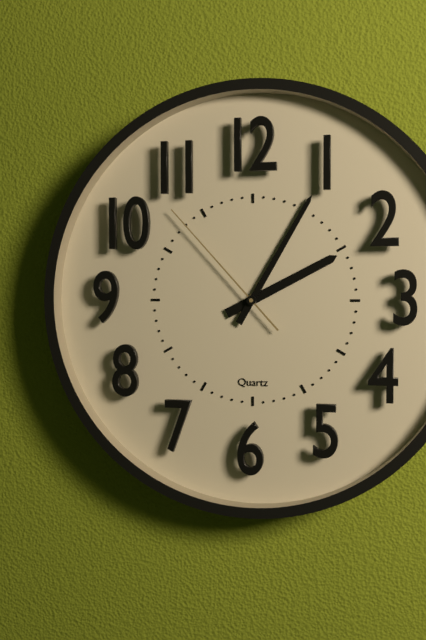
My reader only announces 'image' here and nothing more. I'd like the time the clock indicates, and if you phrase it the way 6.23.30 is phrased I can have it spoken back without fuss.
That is 2.05.53
